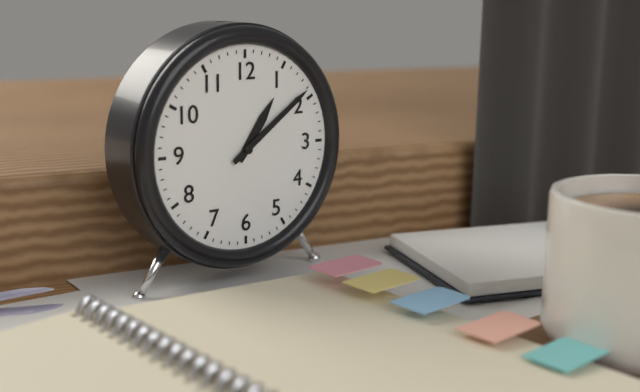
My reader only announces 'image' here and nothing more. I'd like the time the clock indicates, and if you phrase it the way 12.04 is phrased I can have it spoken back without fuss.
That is 1.09
